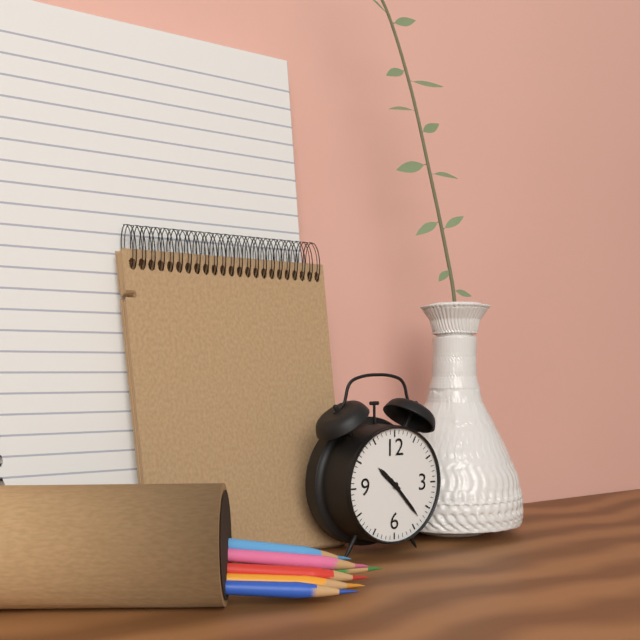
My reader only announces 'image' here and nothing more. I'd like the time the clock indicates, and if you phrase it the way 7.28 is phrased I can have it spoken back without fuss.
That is 10.23
